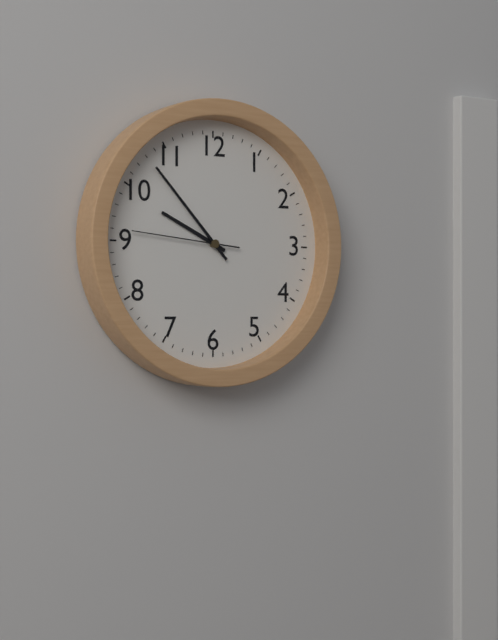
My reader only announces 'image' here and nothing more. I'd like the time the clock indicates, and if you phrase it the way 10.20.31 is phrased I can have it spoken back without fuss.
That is 9.53.46
